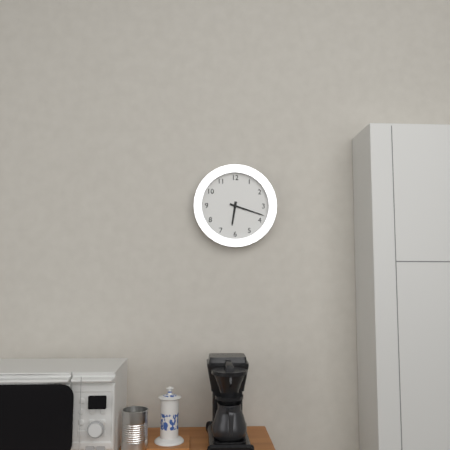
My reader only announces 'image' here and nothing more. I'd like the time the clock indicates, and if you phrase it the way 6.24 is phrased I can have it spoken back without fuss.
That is 6.18
